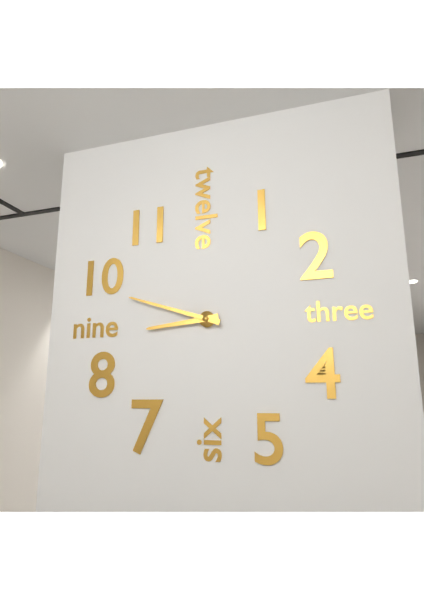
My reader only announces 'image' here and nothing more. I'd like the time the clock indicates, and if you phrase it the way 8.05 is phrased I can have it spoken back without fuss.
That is 8.48
